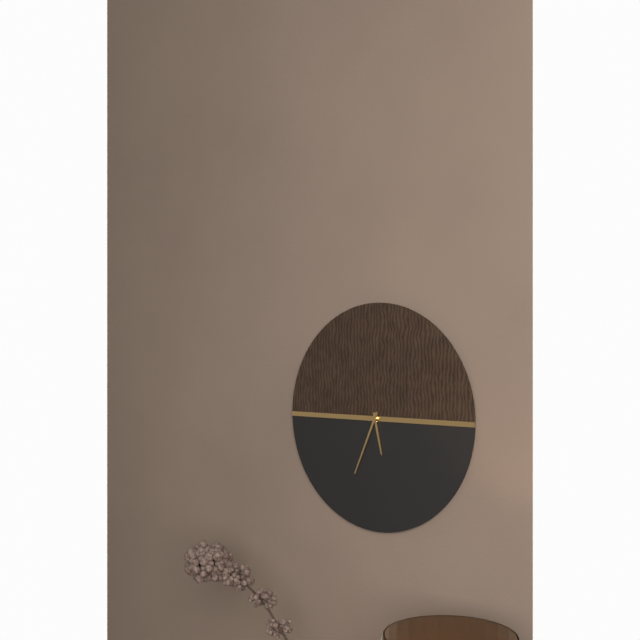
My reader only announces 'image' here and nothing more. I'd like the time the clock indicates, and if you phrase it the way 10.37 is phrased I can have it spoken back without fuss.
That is 5.34
